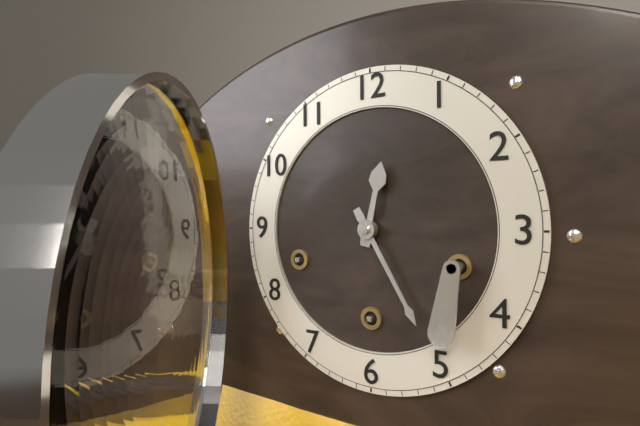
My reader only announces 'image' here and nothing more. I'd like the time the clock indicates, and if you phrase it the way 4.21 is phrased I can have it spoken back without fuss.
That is 12.25
